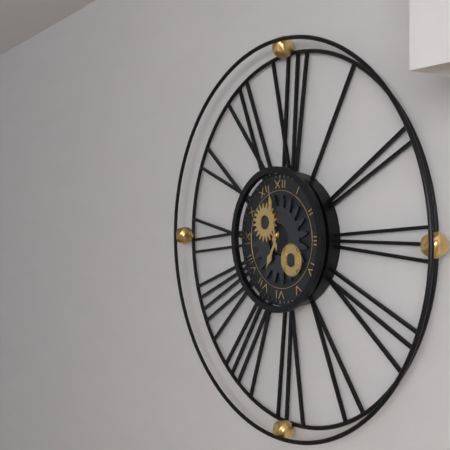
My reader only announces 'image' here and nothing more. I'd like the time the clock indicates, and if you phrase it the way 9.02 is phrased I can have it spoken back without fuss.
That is 6.58
